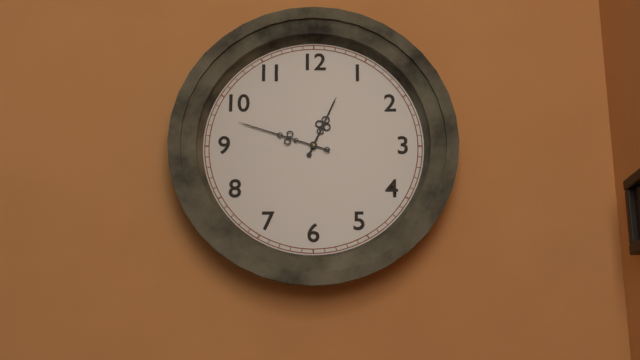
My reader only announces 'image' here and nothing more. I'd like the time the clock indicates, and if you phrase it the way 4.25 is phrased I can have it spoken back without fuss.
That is 12.48
